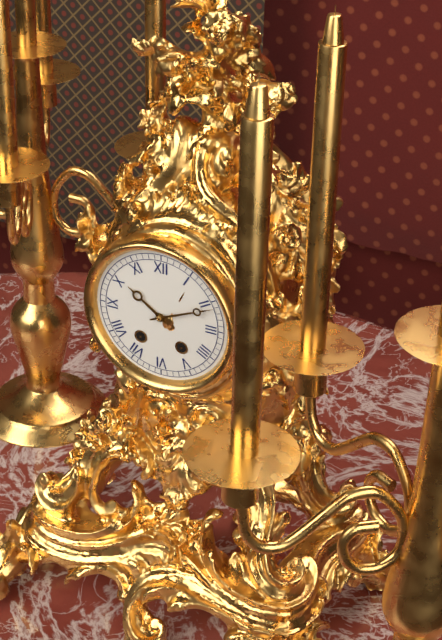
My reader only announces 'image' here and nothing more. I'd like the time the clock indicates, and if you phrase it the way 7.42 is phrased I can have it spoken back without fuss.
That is 10.11
